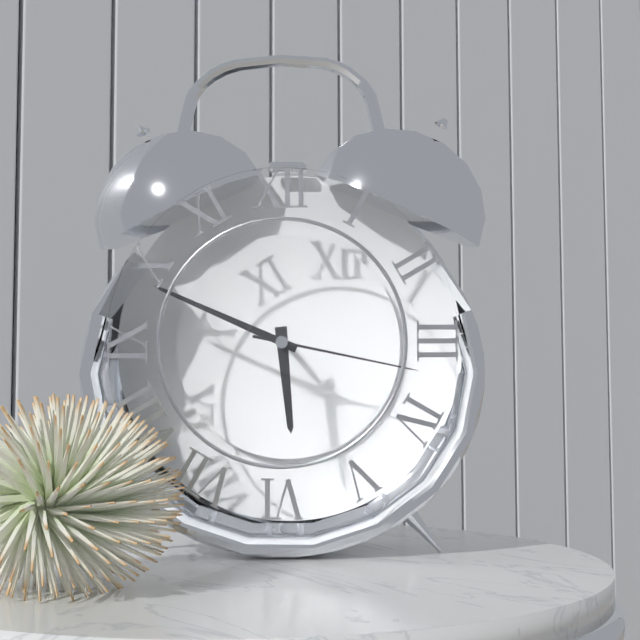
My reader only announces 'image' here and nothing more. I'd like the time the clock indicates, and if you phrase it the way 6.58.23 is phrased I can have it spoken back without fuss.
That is 5.49.17
